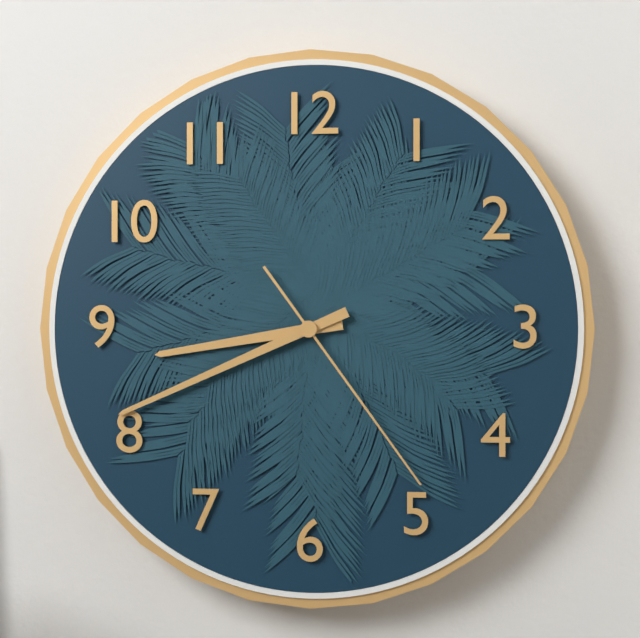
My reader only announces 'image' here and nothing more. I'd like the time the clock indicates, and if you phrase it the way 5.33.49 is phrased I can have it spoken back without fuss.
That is 8.41.24
